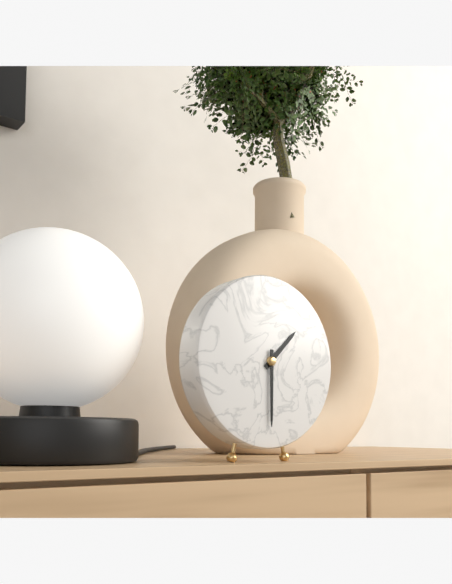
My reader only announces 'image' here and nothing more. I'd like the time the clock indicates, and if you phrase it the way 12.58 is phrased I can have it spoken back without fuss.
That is 1.30
